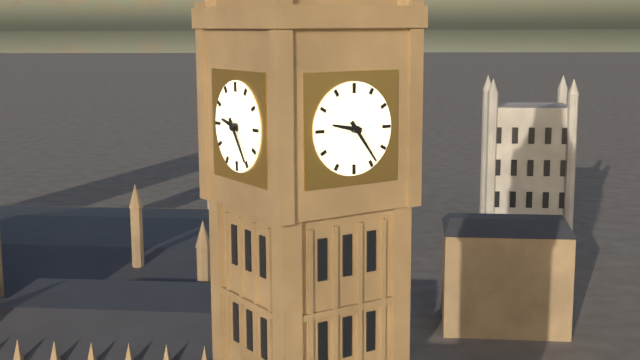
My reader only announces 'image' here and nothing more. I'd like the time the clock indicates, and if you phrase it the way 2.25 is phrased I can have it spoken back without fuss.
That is 9.24
